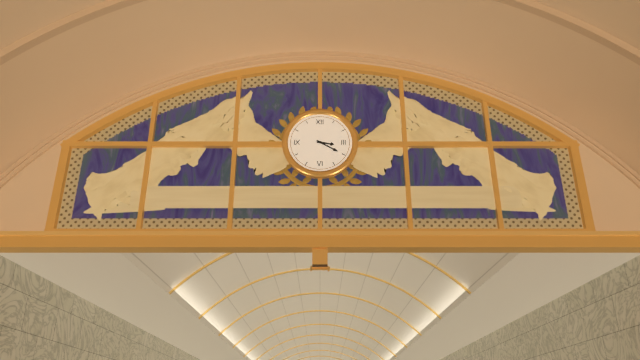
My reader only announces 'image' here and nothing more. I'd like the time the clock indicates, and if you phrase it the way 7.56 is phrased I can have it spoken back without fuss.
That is 3.20
